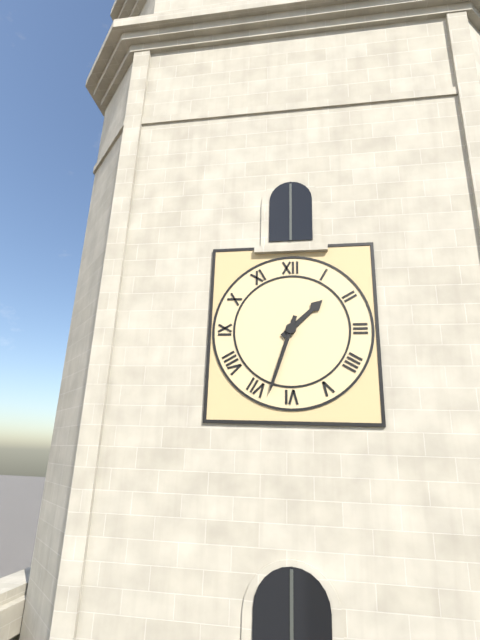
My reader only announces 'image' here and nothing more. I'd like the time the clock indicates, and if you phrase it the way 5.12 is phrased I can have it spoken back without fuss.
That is 1.33
